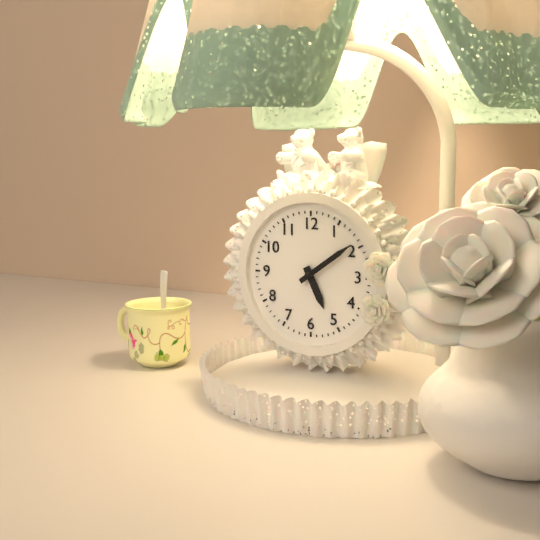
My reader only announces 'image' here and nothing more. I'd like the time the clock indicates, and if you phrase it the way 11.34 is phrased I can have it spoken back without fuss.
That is 5.09
